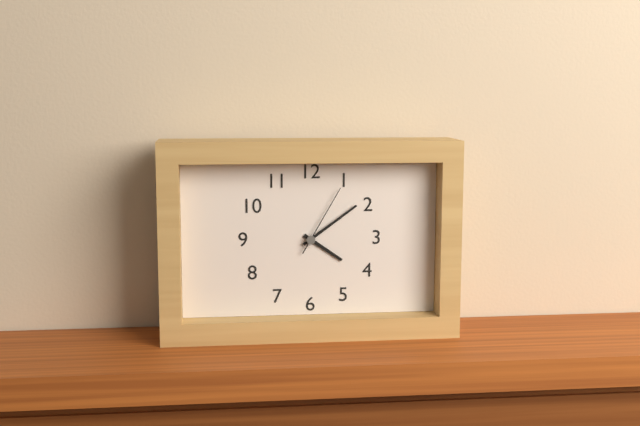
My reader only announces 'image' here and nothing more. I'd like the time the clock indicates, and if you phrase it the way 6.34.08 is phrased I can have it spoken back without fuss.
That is 4.09.05
